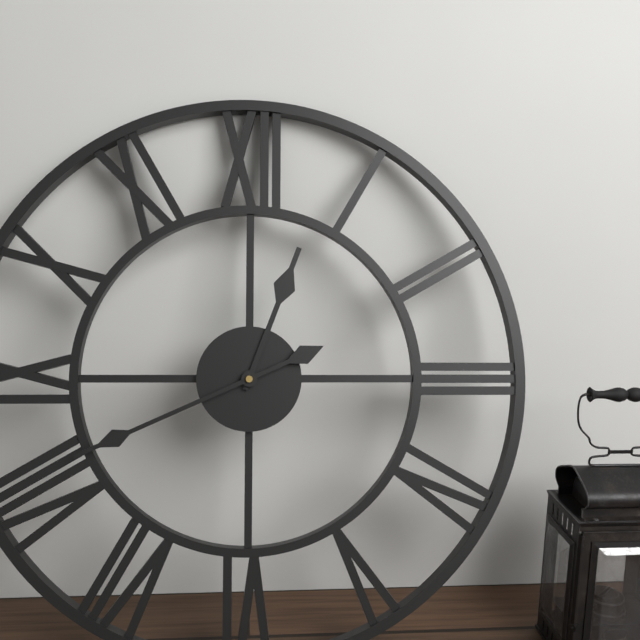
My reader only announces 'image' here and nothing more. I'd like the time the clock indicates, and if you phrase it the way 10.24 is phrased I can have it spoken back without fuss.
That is 12.41
